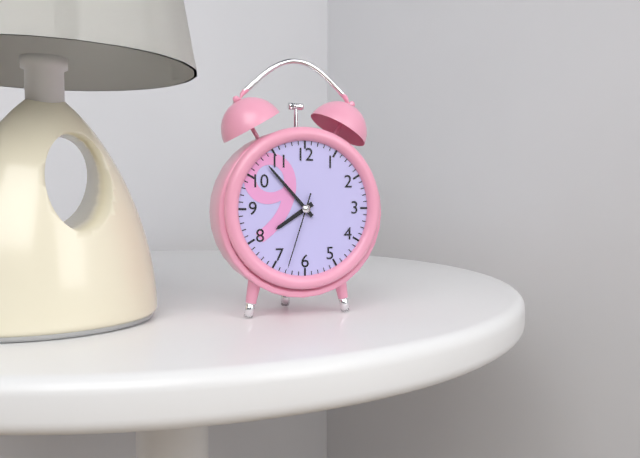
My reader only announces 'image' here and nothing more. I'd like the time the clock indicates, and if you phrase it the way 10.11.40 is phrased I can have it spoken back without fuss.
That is 7.53.33
